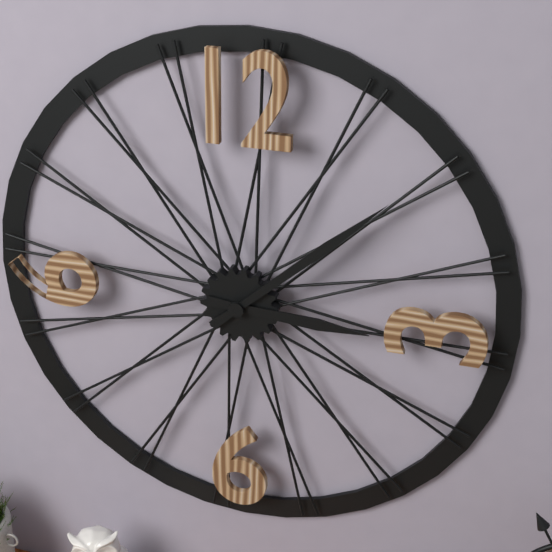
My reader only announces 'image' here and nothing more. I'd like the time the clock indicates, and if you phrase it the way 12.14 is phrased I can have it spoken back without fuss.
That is 3.08
